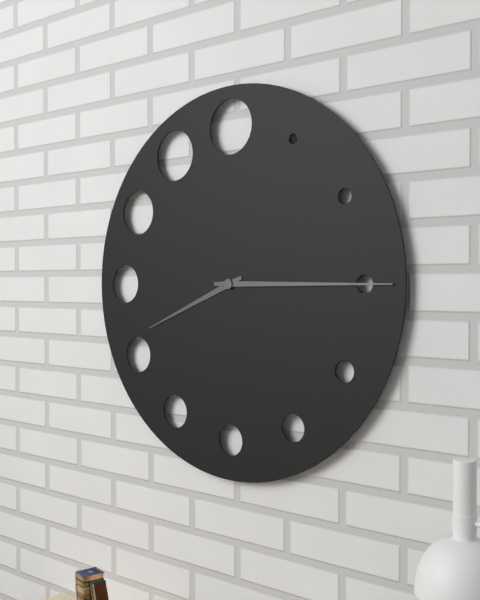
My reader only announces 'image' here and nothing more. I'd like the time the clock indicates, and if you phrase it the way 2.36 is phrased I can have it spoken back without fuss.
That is 8.15
